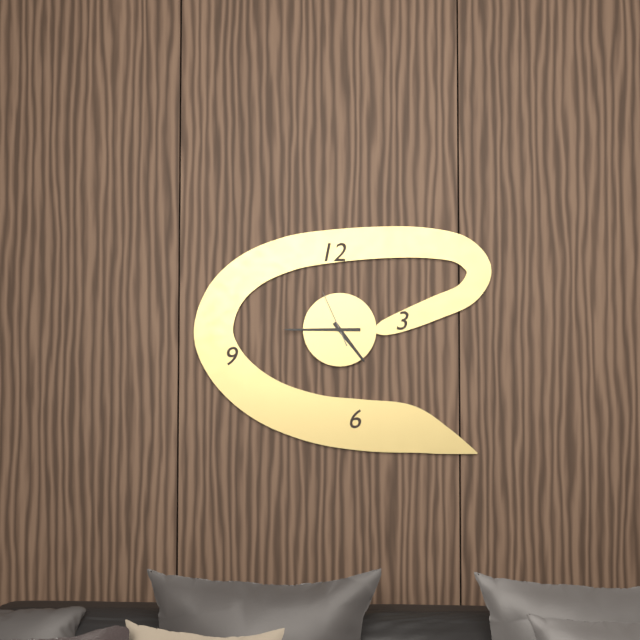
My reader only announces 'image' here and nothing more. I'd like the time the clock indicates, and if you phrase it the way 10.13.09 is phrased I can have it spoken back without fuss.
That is 4.45.56
